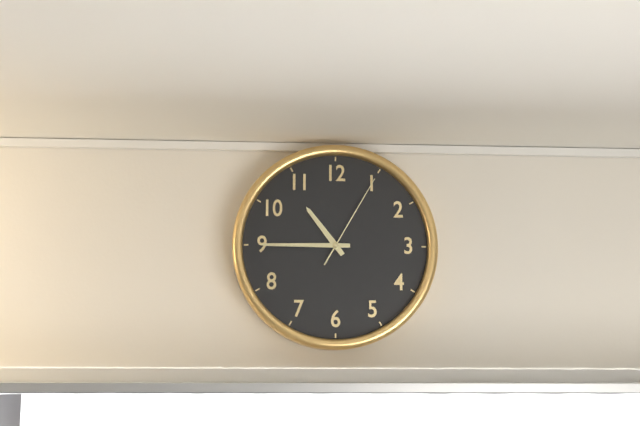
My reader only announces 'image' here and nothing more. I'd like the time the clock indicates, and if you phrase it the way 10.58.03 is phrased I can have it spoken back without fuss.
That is 10.45.05
